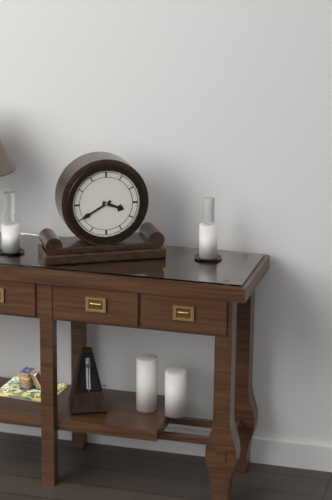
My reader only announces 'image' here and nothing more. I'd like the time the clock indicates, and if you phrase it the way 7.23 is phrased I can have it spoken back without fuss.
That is 3.40
